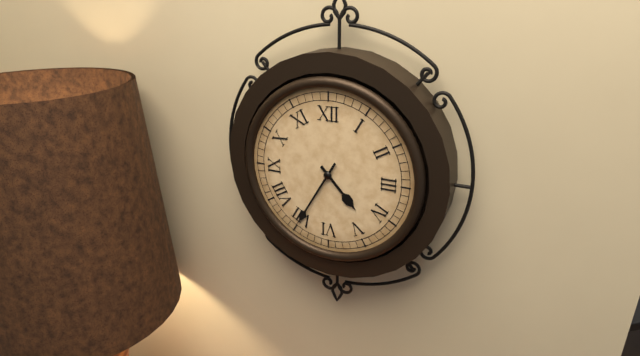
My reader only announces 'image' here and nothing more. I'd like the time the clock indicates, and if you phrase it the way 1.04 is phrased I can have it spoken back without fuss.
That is 4.35
